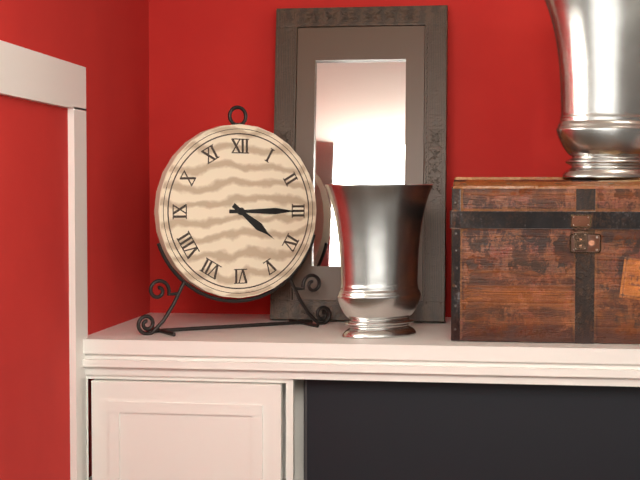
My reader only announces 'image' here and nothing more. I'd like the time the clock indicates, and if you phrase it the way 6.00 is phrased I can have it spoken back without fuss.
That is 4.15
